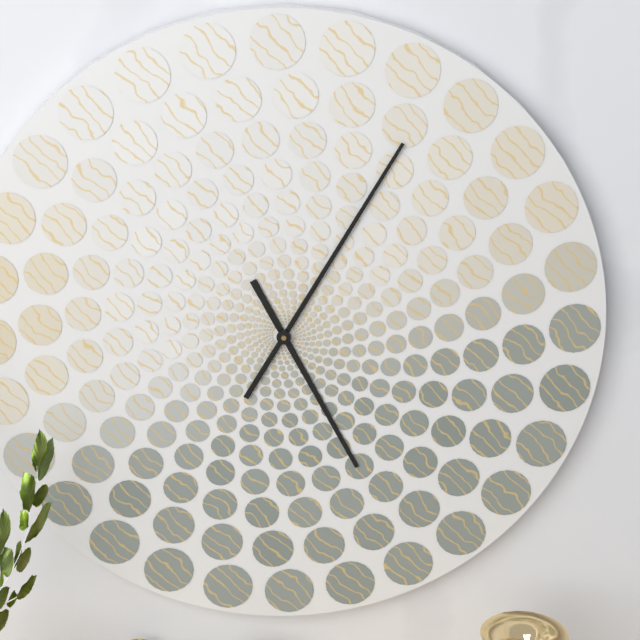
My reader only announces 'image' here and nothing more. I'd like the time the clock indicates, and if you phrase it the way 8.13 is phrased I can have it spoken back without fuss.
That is 5.05
